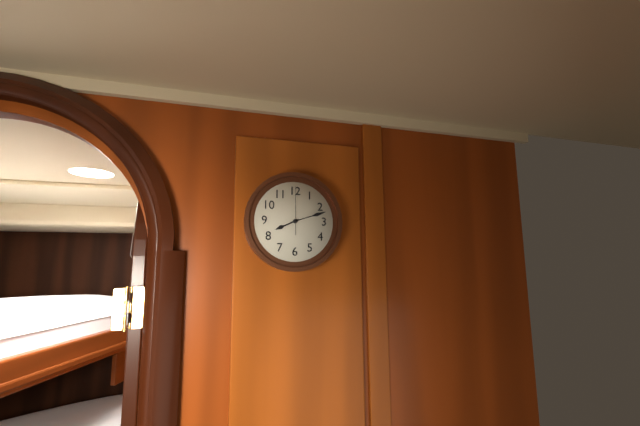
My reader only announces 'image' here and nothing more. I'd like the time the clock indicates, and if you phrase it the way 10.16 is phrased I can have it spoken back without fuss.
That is 8.12
